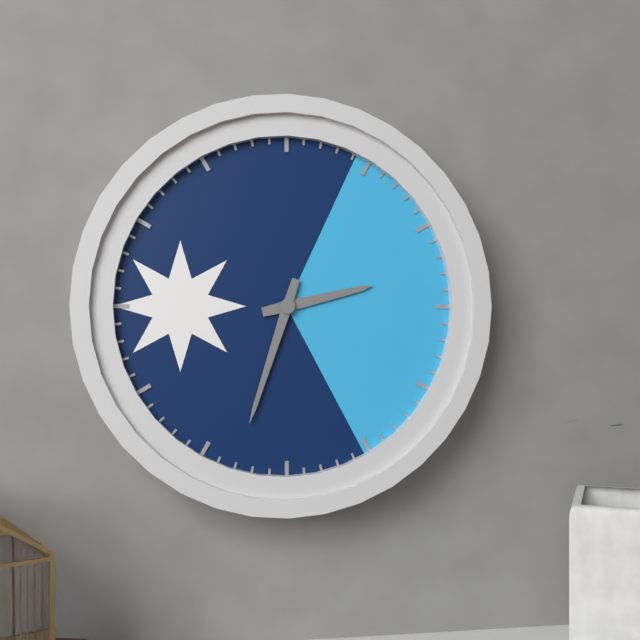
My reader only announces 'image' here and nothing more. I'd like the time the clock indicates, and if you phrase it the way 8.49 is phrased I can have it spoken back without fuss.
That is 2.33
